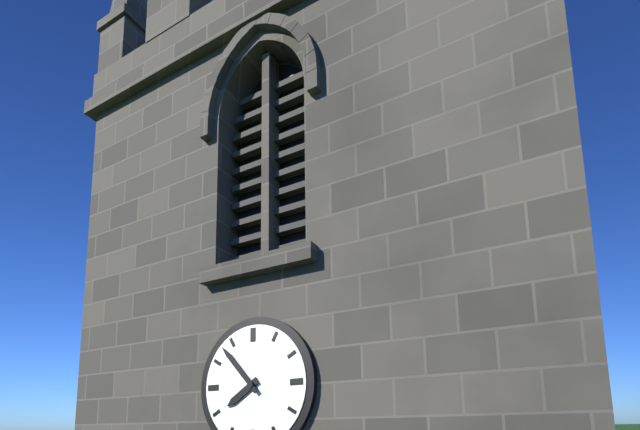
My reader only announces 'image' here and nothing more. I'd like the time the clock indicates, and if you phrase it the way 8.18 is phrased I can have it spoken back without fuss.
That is 7.53
